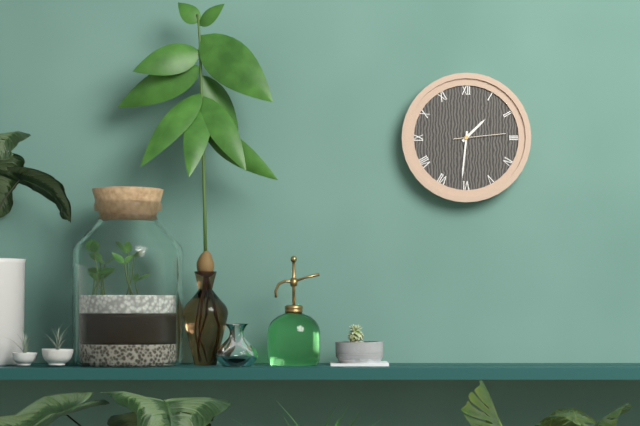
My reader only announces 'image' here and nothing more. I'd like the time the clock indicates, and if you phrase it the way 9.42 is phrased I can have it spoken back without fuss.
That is 1.31
